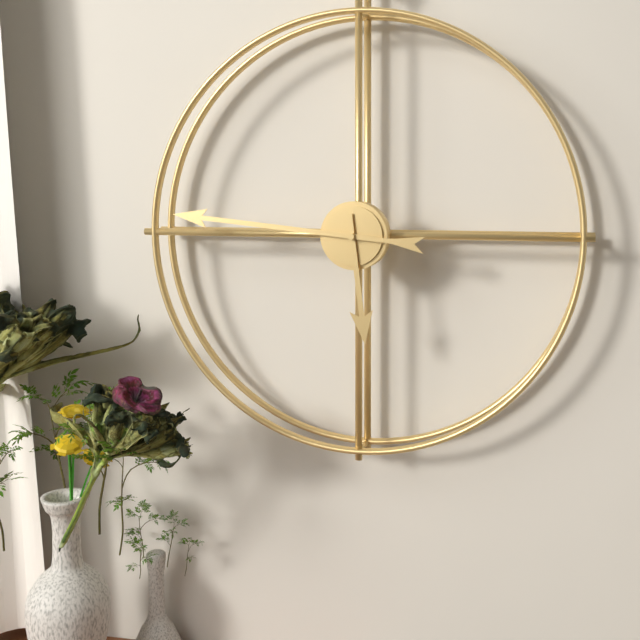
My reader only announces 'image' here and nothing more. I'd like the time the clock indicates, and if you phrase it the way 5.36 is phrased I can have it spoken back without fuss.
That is 5.46
